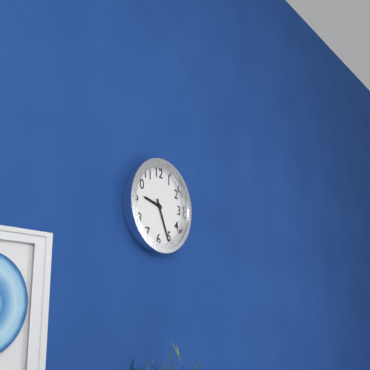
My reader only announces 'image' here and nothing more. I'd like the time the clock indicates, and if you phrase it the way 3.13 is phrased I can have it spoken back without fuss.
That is 9.26
